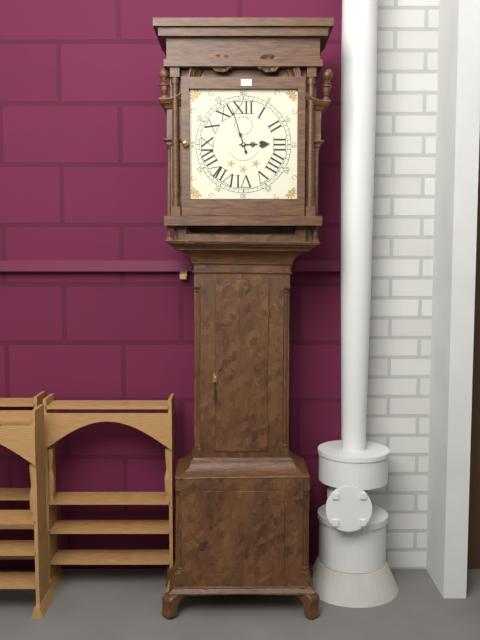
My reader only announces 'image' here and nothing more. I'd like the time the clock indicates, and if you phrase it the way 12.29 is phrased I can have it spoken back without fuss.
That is 2.57
